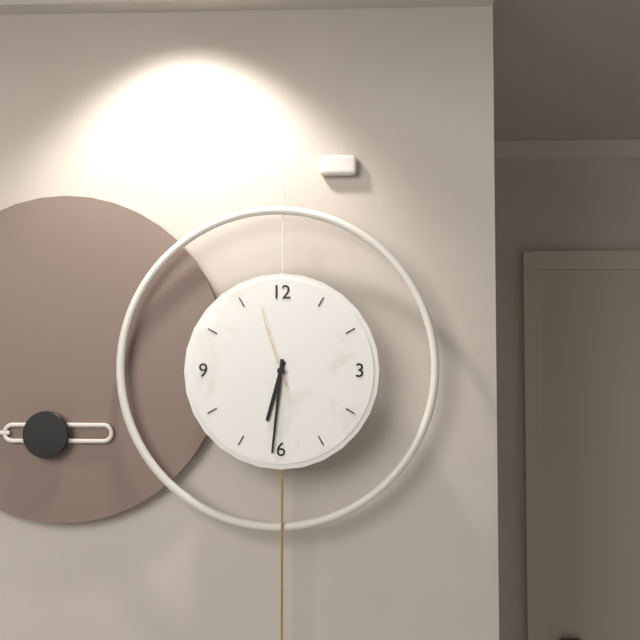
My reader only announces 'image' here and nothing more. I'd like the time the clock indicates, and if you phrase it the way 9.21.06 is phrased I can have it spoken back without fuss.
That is 6.31.57
